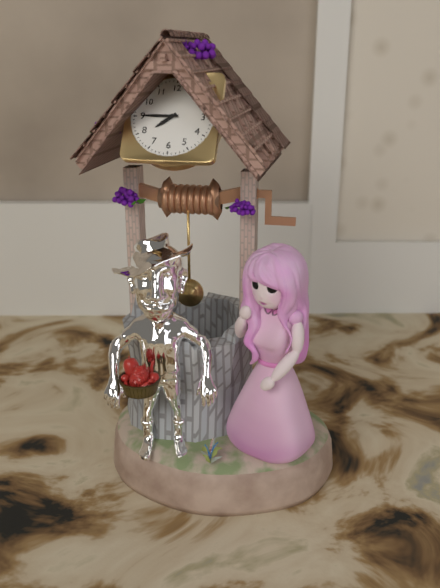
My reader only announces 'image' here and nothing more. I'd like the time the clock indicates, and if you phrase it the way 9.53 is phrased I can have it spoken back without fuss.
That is 7.45
